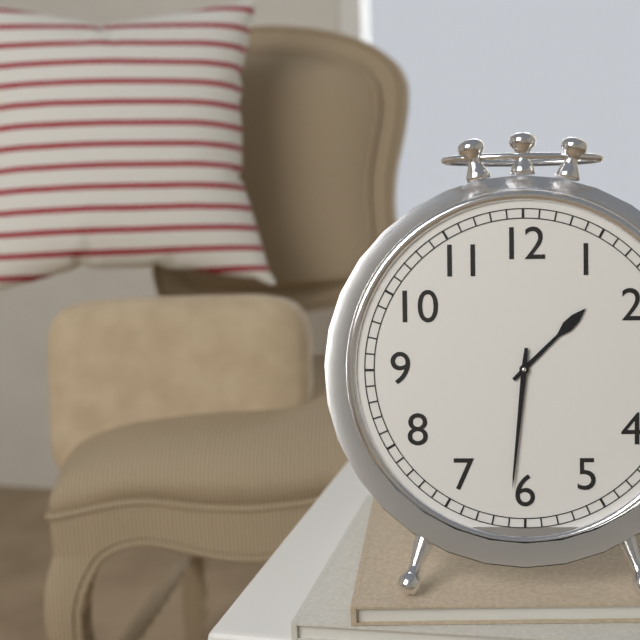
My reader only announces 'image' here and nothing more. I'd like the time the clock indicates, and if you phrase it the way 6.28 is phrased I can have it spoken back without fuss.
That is 1.31
